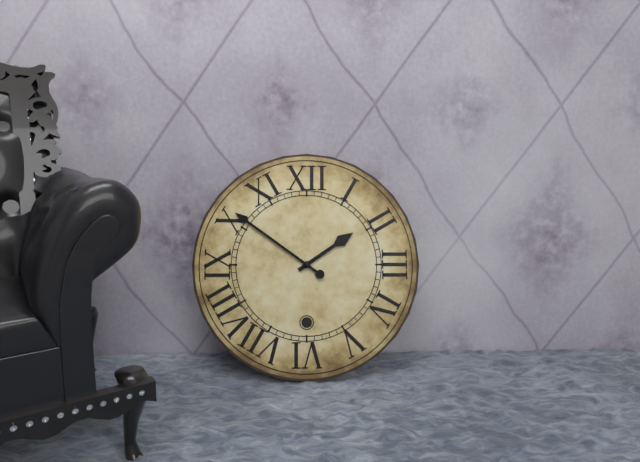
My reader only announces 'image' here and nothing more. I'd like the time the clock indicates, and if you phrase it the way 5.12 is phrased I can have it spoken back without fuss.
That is 1.51
